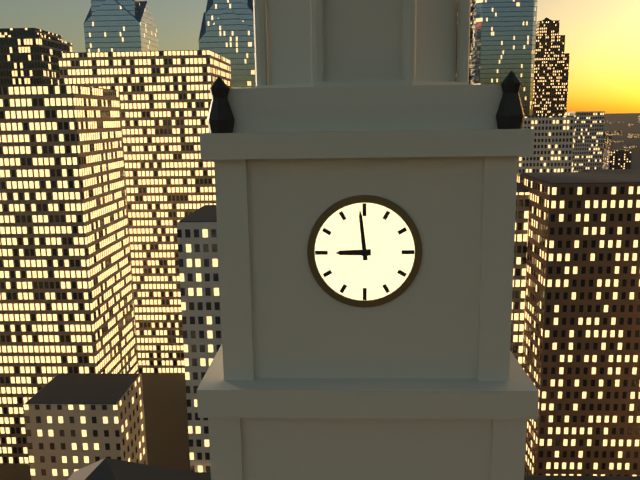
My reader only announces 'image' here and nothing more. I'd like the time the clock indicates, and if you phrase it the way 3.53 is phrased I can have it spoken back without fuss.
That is 8.59
